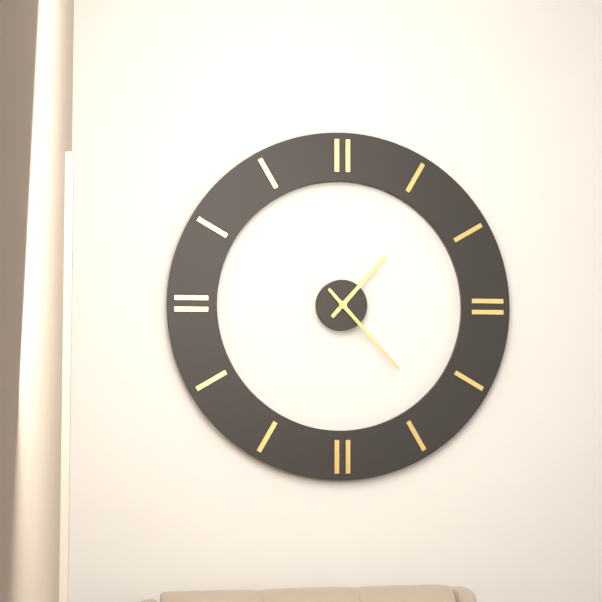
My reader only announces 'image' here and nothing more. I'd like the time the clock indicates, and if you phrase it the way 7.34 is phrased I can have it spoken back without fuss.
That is 1.23
